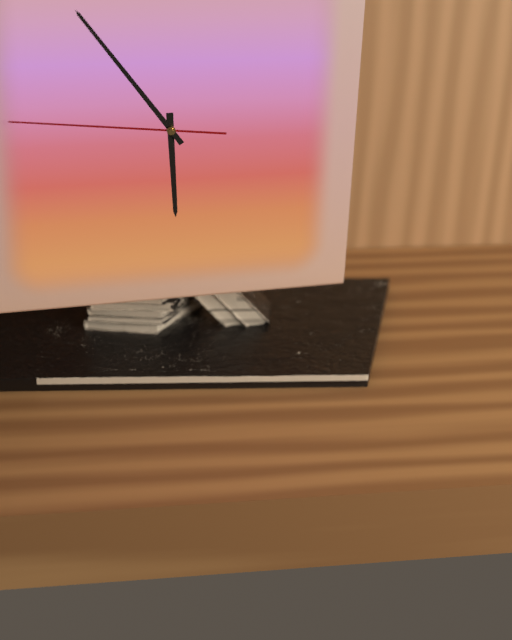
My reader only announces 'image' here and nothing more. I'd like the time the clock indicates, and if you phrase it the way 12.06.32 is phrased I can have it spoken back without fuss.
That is 5.54.46
